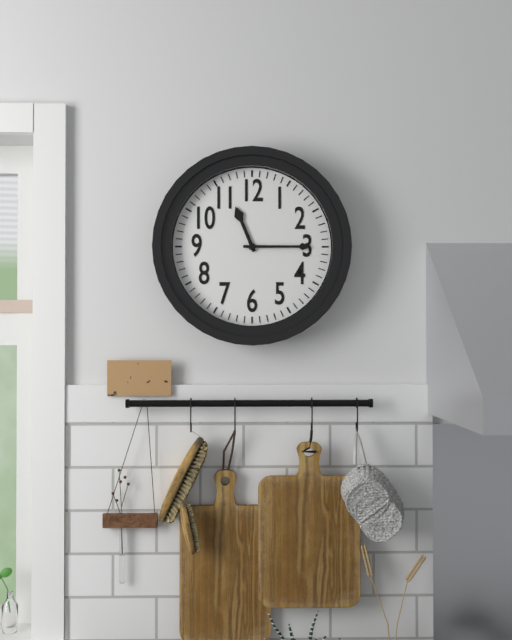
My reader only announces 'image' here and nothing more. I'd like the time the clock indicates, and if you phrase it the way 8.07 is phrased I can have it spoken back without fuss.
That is 11.15
